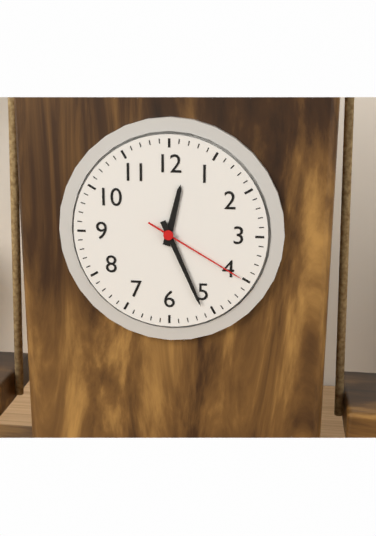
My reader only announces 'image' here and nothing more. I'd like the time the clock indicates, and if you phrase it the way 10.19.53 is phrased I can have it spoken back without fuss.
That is 12.26.20
